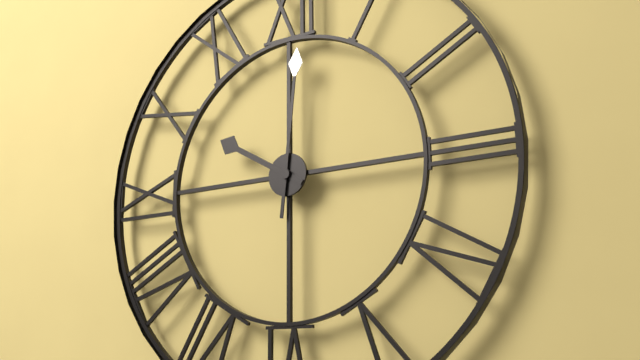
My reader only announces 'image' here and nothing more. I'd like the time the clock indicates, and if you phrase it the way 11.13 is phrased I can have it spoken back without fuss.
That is 10.01
